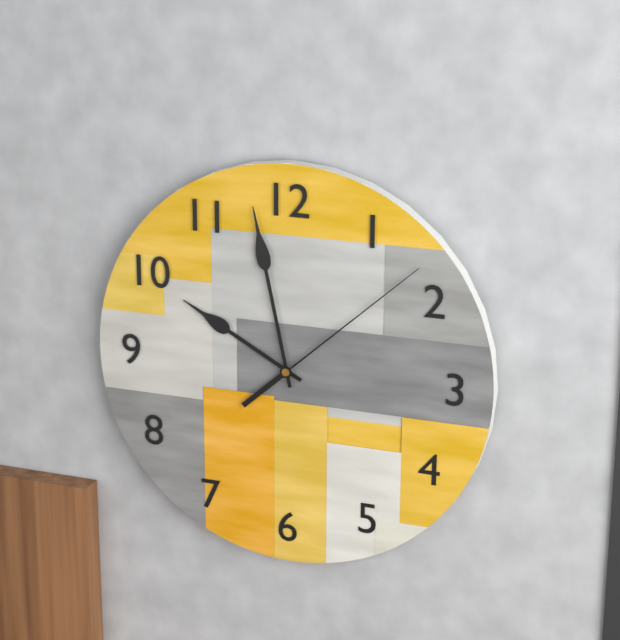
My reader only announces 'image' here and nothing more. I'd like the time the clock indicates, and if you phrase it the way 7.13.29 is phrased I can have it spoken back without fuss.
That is 9.58.08
